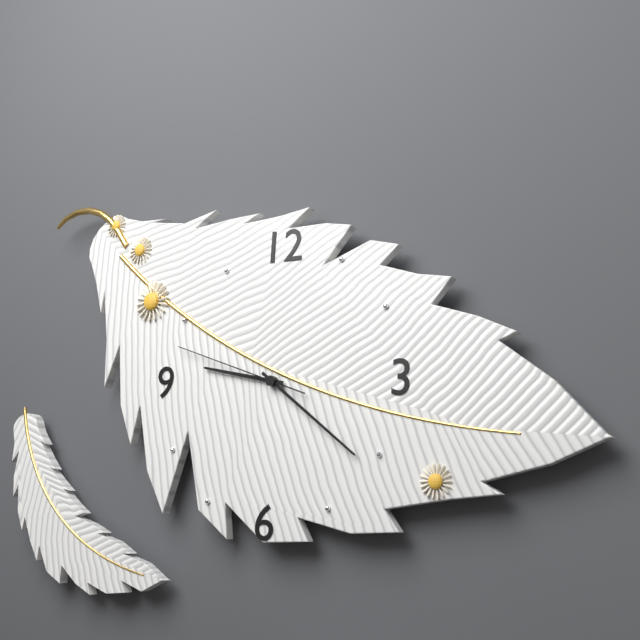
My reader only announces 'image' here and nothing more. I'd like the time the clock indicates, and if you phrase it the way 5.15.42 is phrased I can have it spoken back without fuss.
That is 9.21.48
